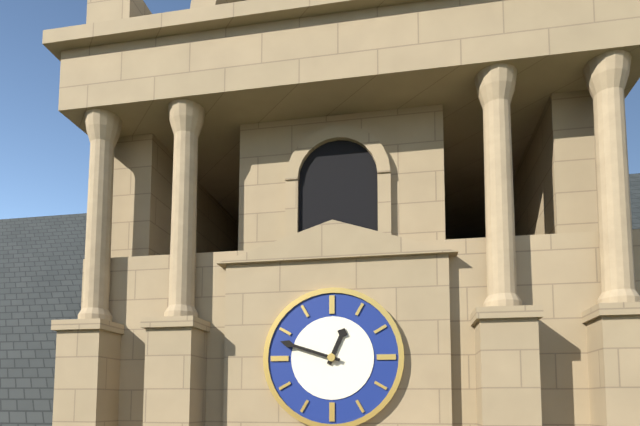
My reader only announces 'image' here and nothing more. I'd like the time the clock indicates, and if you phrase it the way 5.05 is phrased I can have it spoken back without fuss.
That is 12.48
